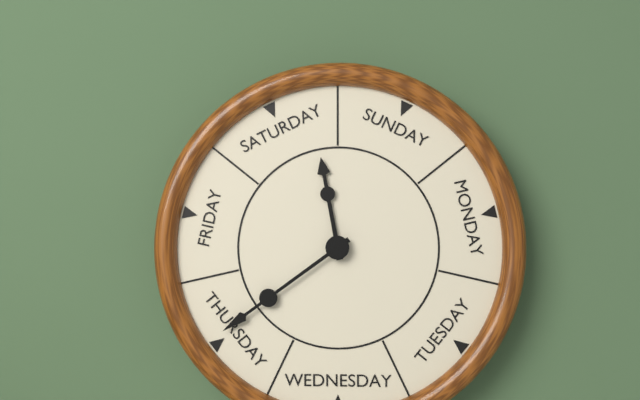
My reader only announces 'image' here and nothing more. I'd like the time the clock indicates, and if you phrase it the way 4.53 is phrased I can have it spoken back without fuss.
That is 11.39
